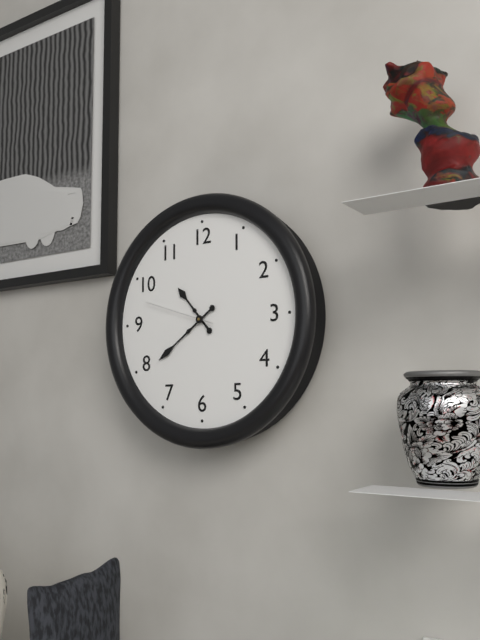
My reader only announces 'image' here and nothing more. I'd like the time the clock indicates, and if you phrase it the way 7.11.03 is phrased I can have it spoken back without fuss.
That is 10.39.48
